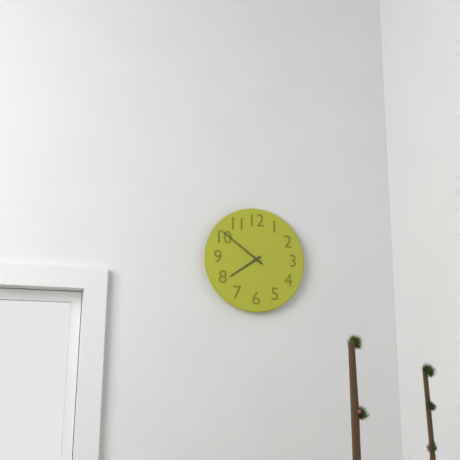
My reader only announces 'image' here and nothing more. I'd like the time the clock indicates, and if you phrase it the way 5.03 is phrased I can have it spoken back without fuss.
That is 7.51
